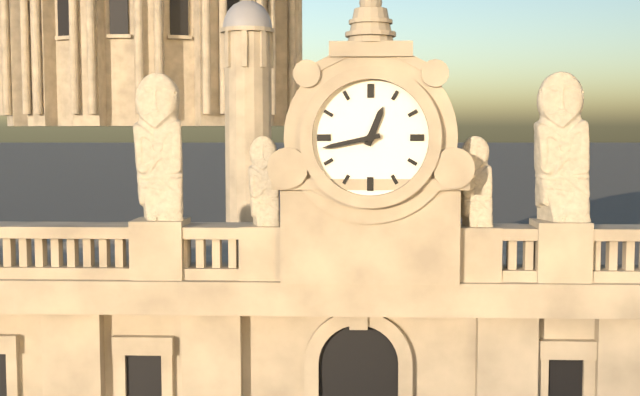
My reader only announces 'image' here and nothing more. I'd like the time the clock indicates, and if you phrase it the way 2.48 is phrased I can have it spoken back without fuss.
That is 12.43
